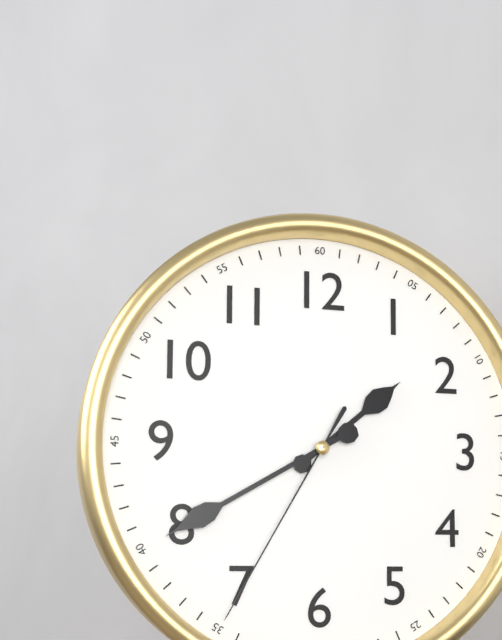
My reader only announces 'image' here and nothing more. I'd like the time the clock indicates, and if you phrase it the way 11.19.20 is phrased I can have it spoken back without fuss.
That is 1.40.35
